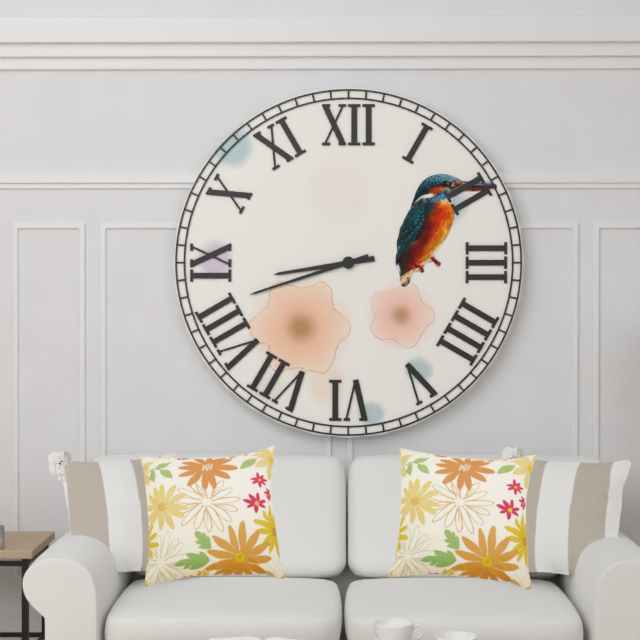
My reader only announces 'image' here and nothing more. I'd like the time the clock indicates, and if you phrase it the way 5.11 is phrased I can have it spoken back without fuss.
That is 8.42
